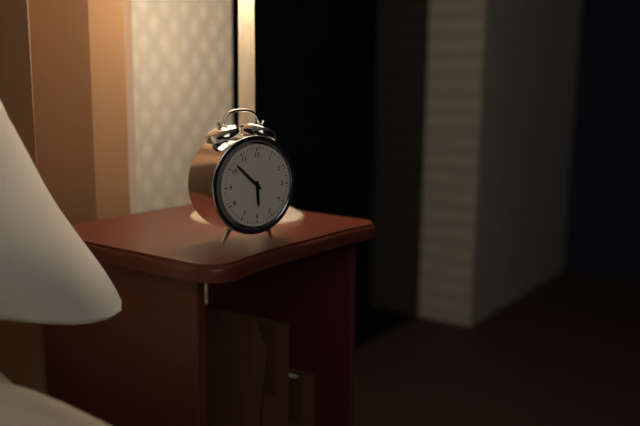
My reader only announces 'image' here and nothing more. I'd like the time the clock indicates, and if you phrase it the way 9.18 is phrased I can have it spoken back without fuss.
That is 5.52
